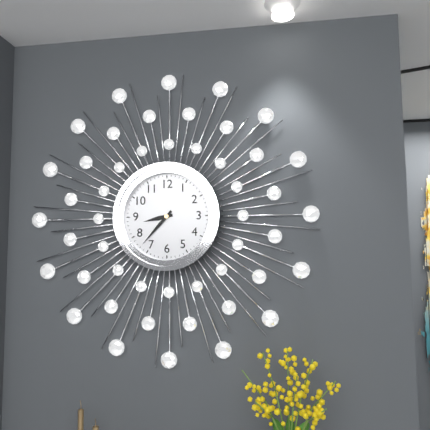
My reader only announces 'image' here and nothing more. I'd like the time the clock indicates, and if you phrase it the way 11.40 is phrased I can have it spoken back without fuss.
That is 8.37
